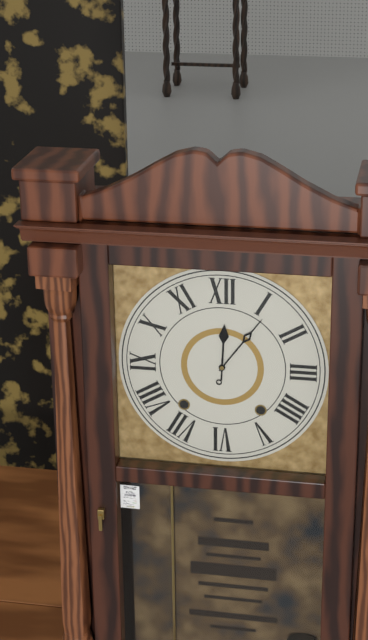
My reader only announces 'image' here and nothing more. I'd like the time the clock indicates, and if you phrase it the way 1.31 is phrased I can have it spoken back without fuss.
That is 12.06
